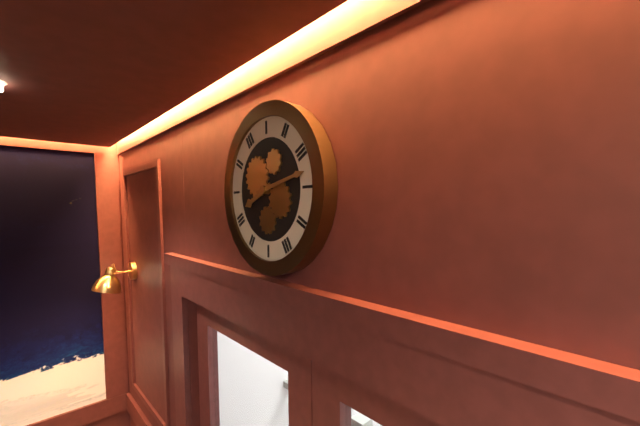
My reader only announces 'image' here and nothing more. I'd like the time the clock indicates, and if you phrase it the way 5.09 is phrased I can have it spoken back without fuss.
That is 8.13
